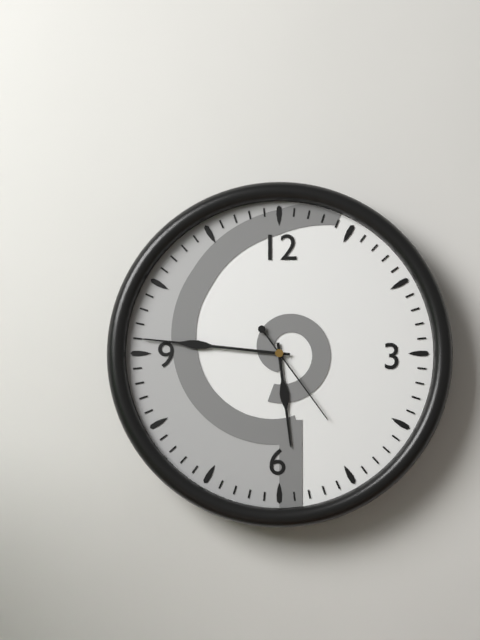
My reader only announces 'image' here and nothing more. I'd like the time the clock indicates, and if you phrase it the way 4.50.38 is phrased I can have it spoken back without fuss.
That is 5.46.24
